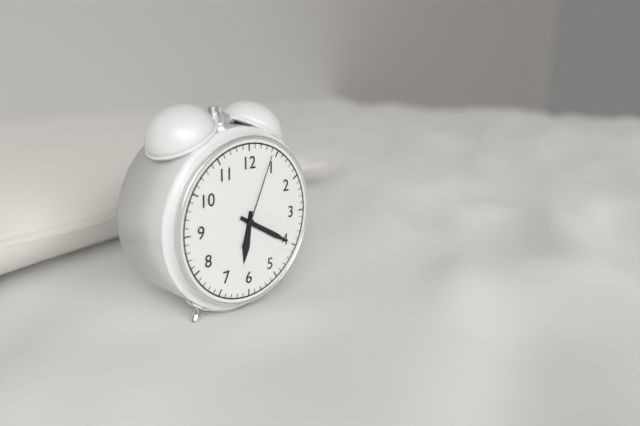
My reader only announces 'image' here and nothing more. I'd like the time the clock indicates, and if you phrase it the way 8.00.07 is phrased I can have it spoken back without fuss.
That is 6.20.04
